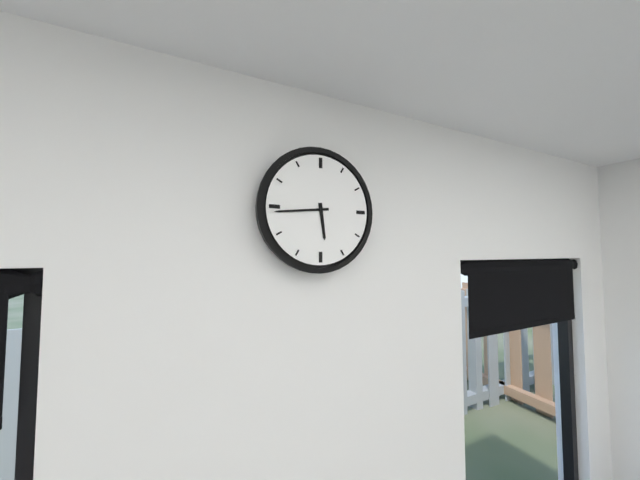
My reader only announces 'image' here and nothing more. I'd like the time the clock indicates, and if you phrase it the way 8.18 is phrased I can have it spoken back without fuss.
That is 5.44
